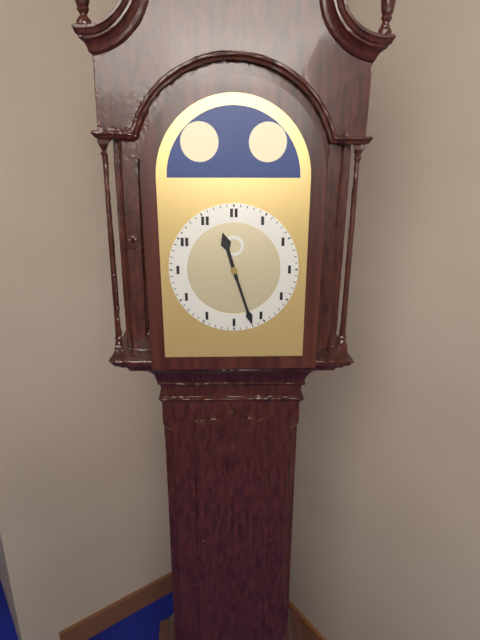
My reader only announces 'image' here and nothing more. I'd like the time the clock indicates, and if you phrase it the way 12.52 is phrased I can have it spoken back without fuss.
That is 11.27
